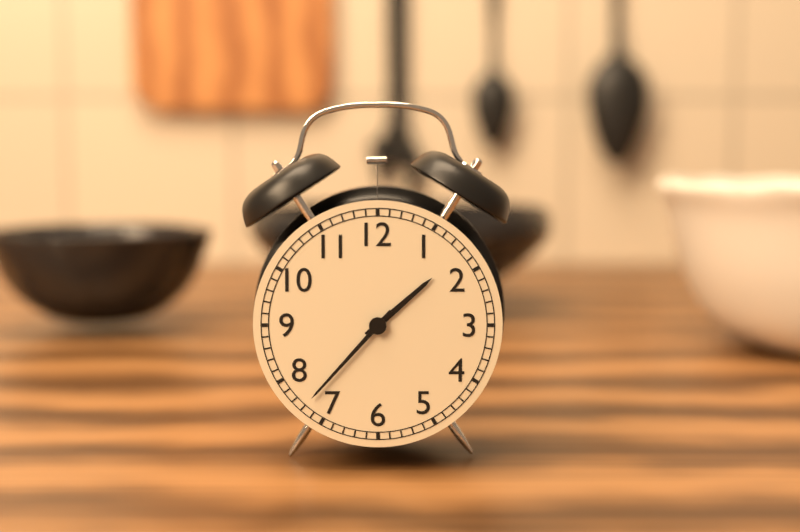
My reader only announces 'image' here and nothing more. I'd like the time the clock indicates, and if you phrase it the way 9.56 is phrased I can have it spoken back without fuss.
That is 1.37
